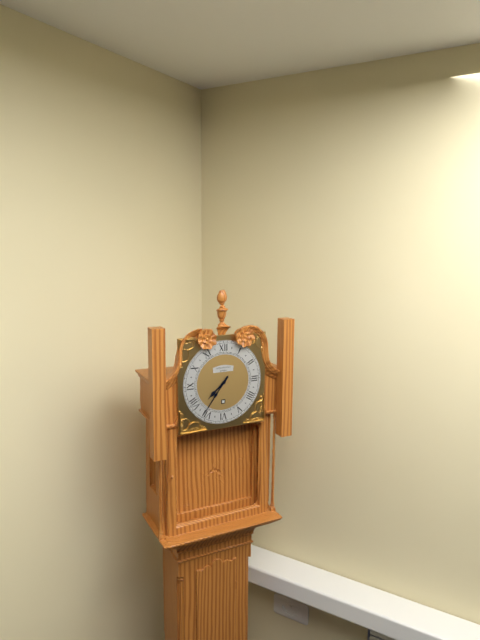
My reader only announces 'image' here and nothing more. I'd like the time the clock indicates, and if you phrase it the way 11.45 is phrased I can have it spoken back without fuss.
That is 7.36
